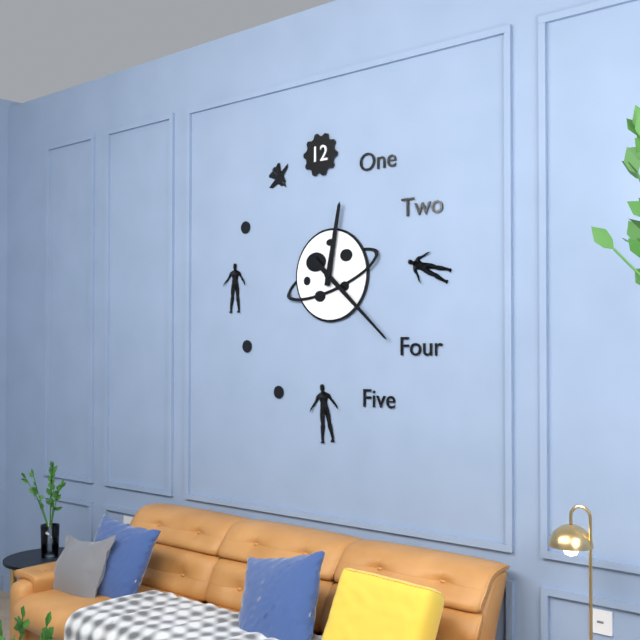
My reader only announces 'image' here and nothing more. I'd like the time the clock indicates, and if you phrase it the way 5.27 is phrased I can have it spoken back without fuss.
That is 12.22
